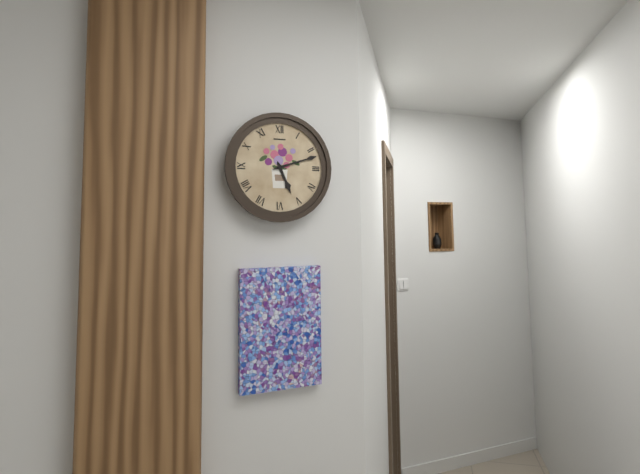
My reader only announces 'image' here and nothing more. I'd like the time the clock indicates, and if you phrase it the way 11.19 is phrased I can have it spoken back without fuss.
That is 5.12
